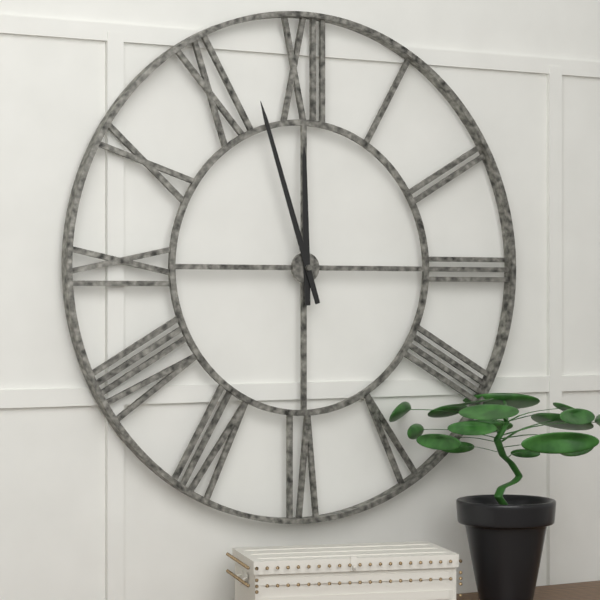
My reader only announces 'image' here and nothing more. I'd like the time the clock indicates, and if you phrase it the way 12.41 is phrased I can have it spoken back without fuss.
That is 11.57
